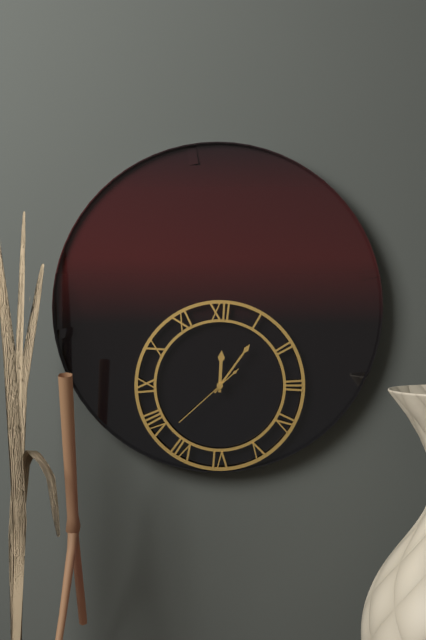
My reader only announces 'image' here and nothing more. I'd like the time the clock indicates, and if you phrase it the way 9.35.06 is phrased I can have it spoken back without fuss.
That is 12.06.38
